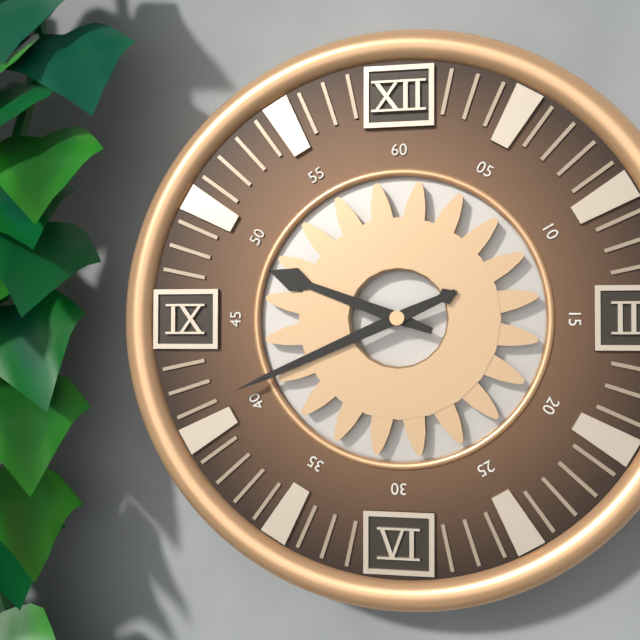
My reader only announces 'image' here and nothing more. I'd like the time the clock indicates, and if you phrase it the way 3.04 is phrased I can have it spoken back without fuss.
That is 9.41
